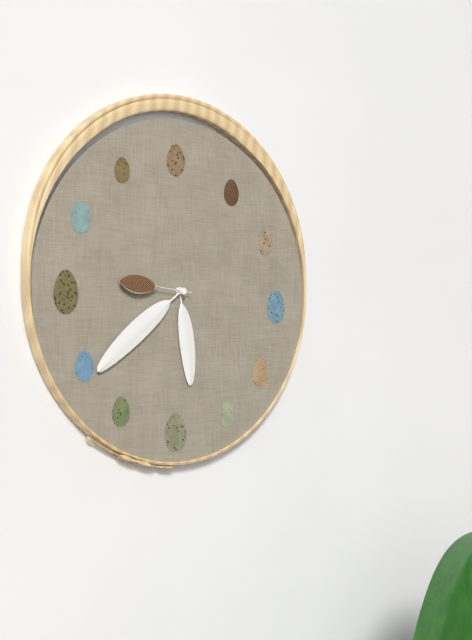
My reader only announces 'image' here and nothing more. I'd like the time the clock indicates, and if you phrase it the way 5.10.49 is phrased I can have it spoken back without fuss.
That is 5.39.46
